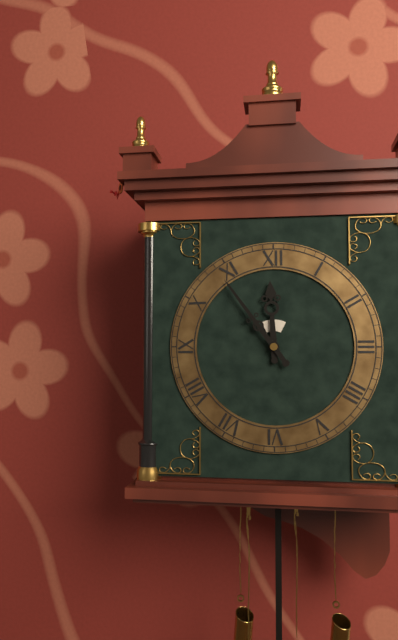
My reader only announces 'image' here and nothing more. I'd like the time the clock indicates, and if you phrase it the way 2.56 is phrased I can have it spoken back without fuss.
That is 11.54
